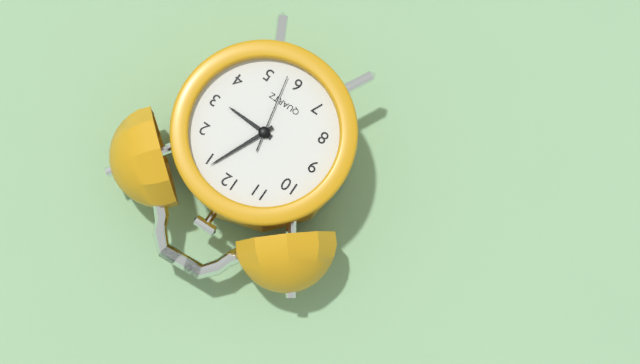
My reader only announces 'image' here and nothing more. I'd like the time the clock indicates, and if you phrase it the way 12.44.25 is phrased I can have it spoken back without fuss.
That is 3.04.28
